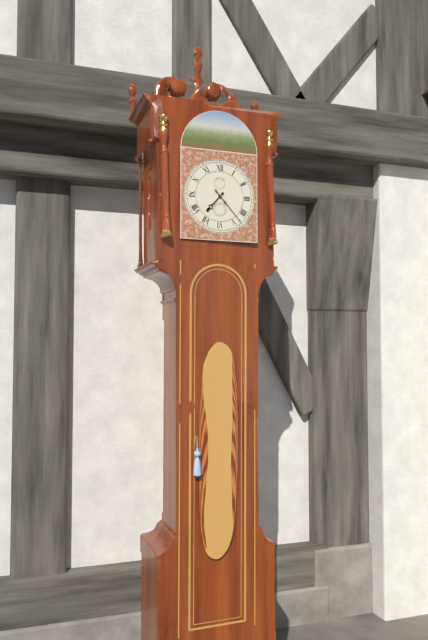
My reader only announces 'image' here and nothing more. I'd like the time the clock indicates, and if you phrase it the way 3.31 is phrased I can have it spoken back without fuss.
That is 7.23
